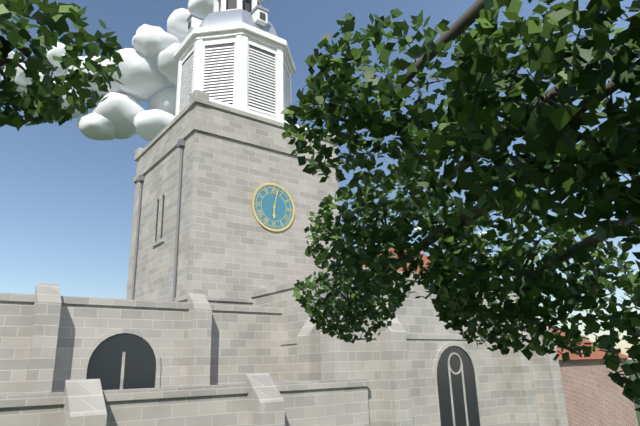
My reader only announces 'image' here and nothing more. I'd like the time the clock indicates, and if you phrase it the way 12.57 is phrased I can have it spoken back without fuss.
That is 6.02
